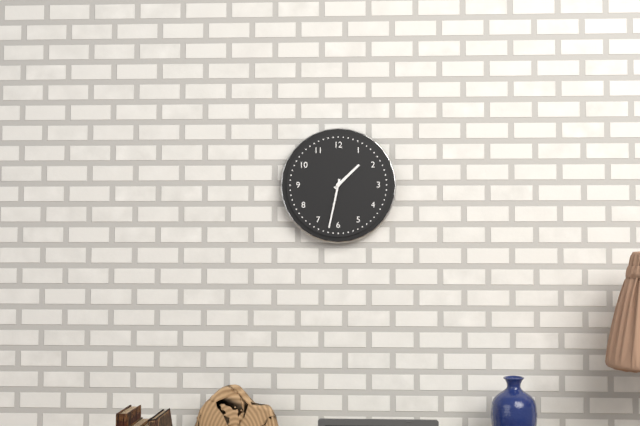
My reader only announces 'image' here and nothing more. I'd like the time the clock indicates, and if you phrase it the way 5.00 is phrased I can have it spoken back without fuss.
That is 1.32
